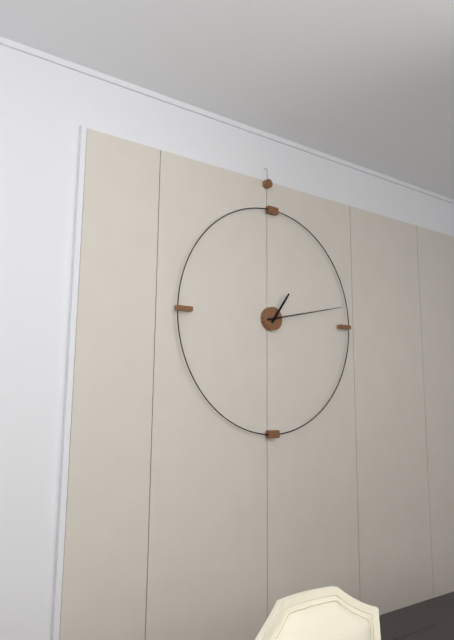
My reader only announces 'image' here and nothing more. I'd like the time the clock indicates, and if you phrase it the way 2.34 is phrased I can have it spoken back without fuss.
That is 1.13
